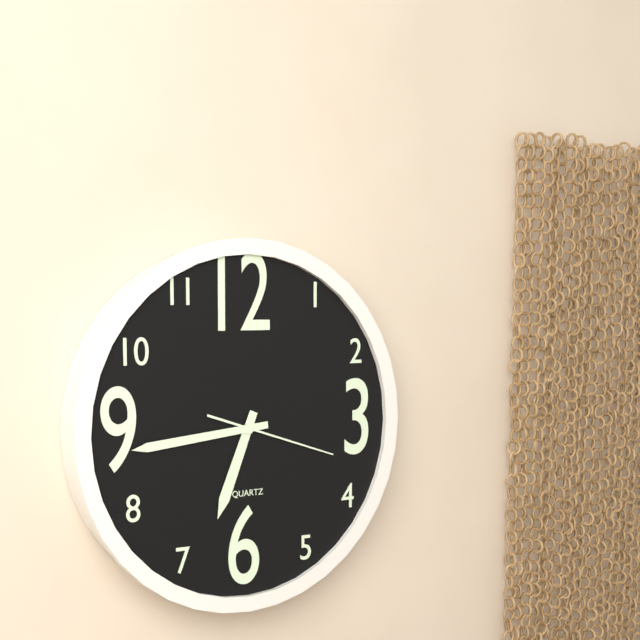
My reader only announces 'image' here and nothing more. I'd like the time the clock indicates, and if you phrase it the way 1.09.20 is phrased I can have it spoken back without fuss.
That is 6.44.18
